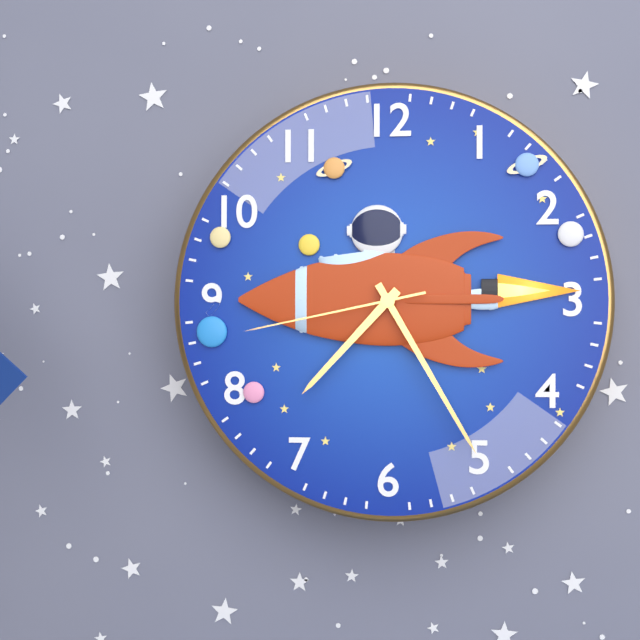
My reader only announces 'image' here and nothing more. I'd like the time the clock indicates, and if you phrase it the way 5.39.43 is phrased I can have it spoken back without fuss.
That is 7.25.43
